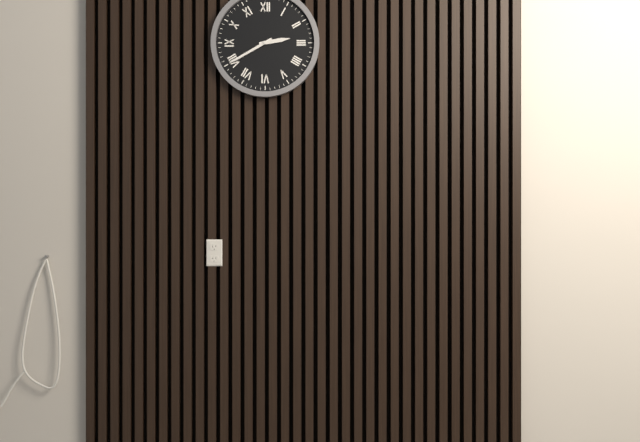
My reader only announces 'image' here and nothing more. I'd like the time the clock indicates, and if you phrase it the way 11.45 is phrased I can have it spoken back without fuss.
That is 2.40
